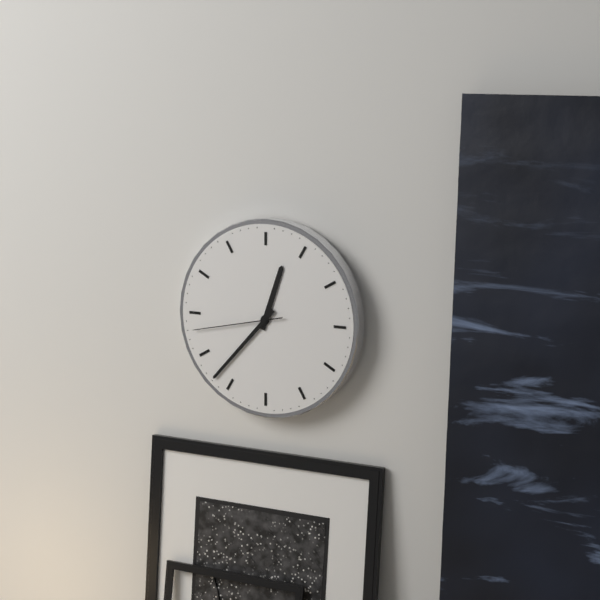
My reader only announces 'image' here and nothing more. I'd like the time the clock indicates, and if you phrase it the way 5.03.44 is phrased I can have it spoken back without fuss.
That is 12.37.43
